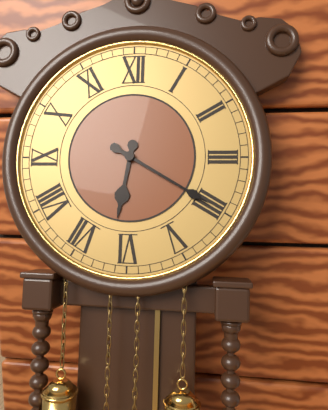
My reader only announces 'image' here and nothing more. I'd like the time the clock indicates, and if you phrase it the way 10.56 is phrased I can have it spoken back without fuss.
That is 6.20
